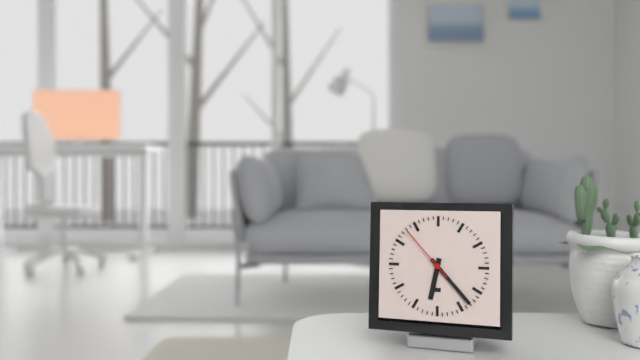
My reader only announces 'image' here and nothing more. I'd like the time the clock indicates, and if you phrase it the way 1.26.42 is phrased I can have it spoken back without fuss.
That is 6.23.53
